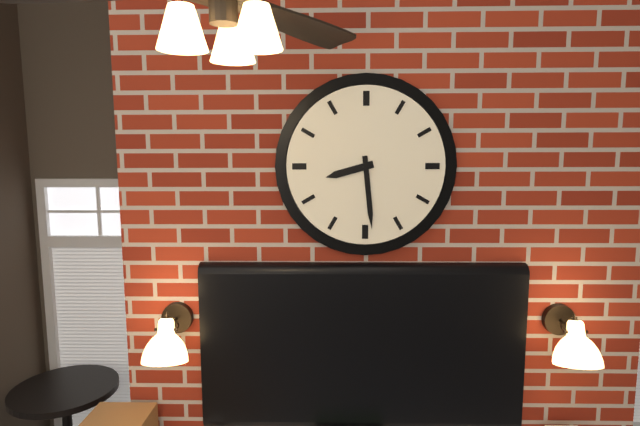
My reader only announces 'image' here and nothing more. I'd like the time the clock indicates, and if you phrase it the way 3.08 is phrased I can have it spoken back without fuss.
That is 8.29
